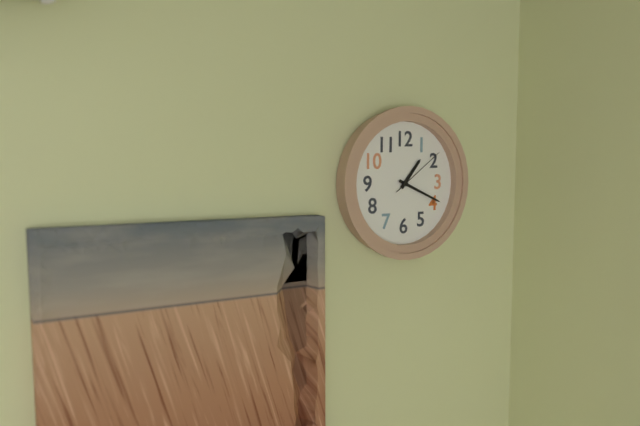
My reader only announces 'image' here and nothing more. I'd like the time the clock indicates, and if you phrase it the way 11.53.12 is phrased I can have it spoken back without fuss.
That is 1.19.09
